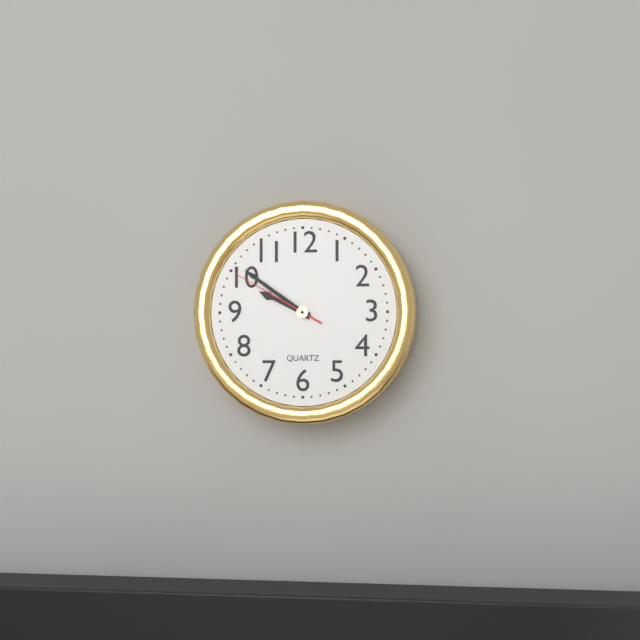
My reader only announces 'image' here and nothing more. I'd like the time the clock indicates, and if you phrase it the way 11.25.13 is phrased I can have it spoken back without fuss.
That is 9.51.50
